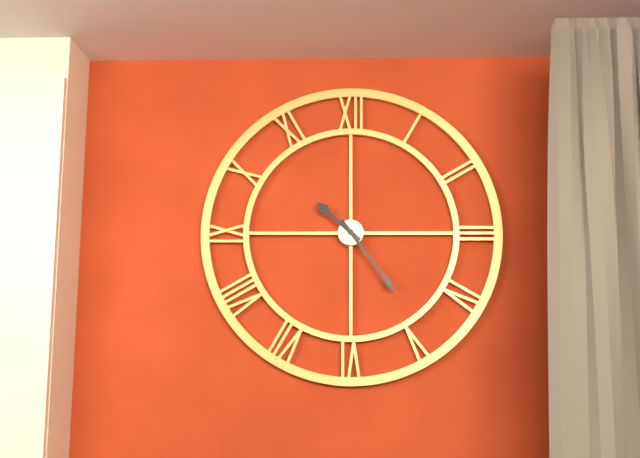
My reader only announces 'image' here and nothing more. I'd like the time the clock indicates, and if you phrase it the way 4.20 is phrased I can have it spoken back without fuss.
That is 10.24
